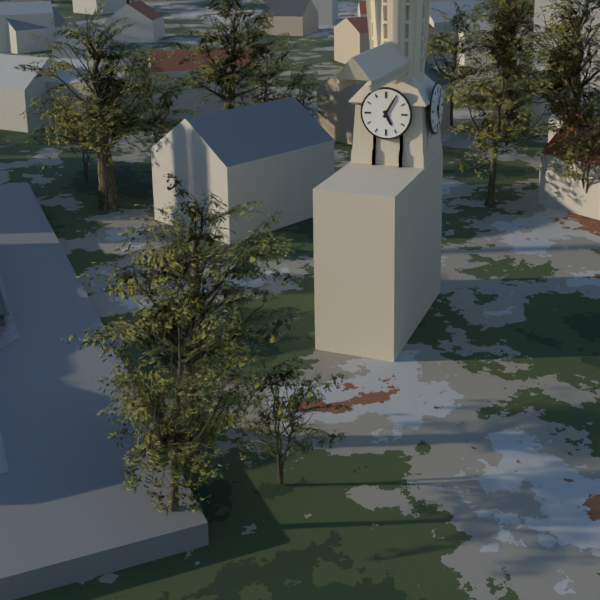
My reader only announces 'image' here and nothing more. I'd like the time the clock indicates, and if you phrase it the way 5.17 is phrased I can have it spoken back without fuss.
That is 5.05
